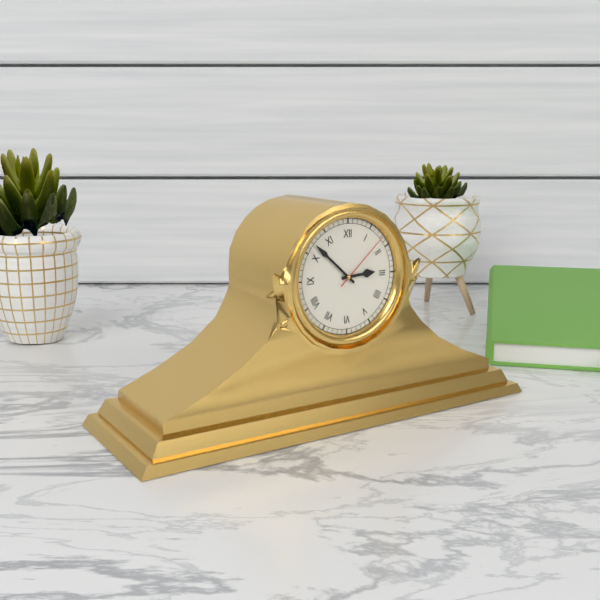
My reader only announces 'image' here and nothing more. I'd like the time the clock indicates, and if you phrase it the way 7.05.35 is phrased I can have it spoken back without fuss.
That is 2.52.08
